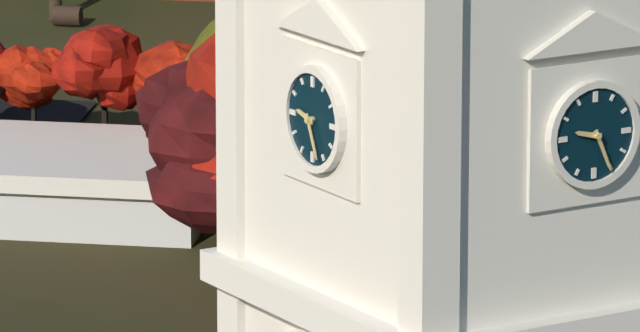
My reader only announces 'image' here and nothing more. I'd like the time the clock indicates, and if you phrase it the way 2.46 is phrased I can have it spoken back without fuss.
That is 9.26
